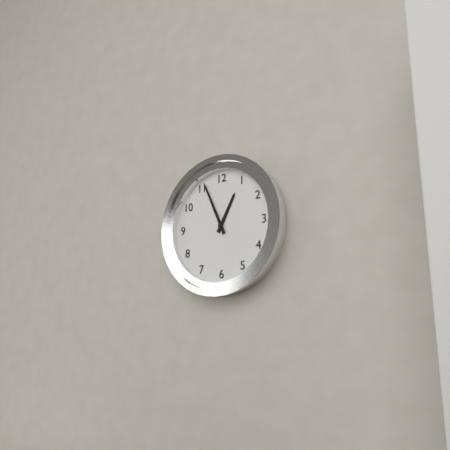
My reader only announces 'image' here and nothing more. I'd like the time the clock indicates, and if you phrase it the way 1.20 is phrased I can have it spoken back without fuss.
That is 12.56
